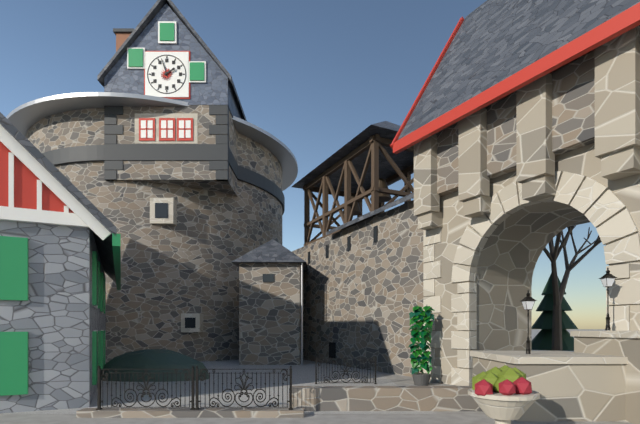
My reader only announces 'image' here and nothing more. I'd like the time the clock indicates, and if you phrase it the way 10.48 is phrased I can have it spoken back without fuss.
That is 1.57
